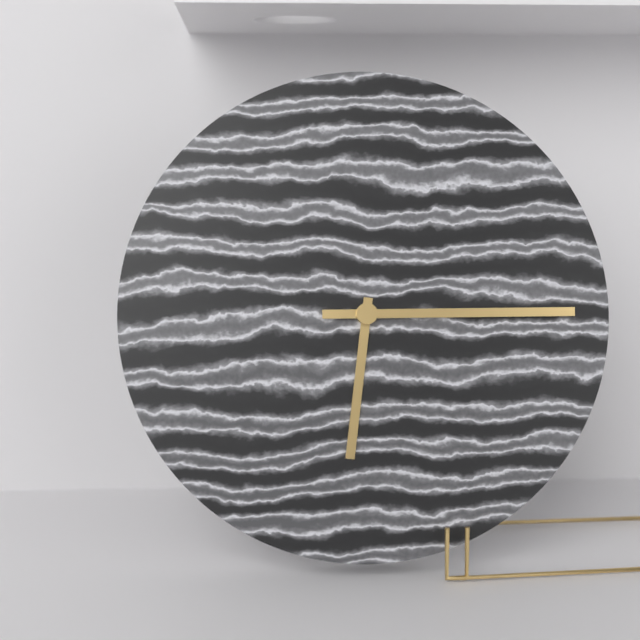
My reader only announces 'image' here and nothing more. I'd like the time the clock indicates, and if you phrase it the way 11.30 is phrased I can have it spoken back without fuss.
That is 6.15
